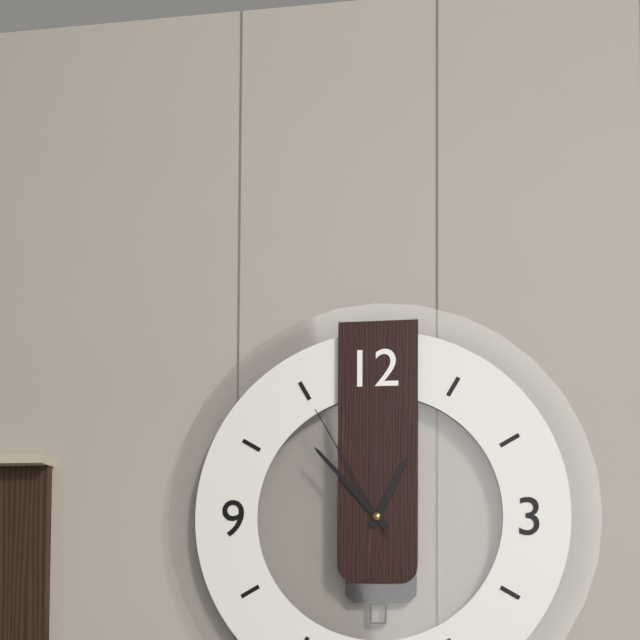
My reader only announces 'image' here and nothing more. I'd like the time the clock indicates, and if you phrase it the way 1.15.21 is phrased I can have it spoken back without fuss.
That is 12.53.55
